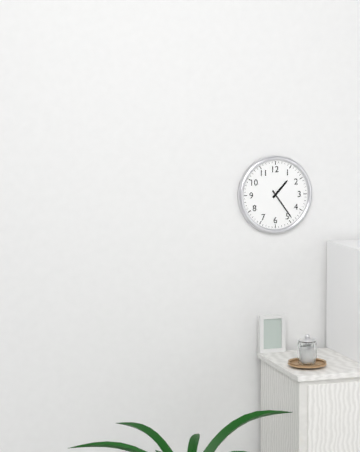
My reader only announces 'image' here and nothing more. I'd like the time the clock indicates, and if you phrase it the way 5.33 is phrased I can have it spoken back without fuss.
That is 1.24
